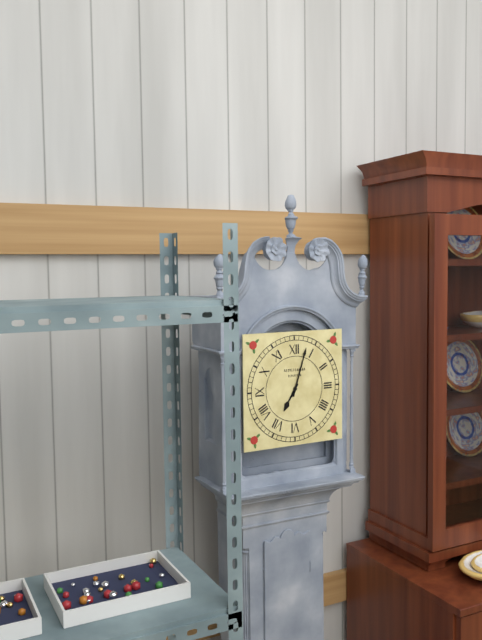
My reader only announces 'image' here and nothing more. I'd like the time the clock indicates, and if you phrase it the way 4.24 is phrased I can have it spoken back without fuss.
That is 7.03
